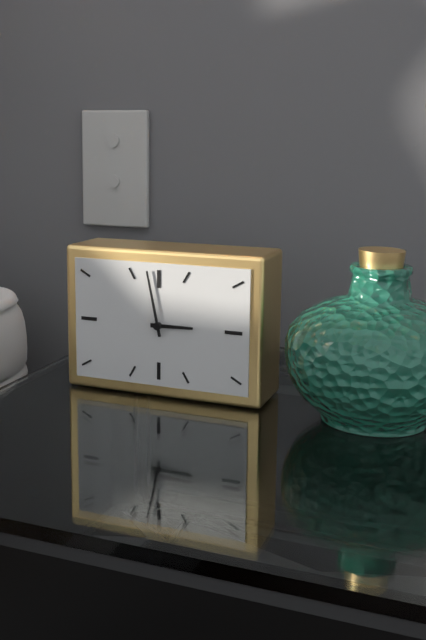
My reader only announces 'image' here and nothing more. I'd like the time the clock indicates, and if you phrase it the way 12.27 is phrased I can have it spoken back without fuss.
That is 2.58
